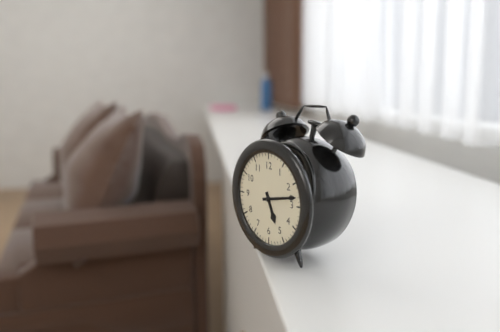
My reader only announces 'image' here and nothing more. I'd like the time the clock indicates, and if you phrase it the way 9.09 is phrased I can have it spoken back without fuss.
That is 5.13
